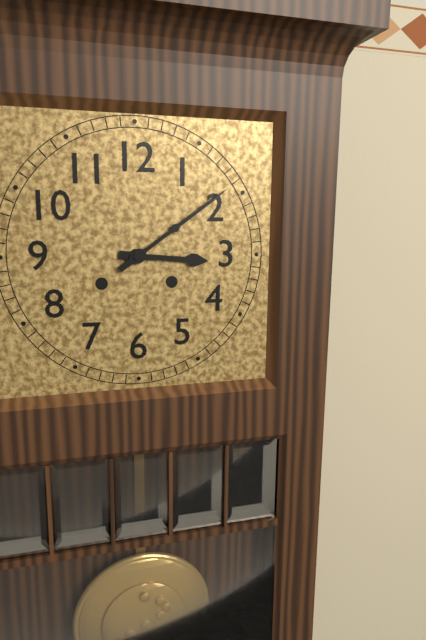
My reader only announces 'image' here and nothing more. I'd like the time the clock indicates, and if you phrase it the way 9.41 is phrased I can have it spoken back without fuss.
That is 3.09
